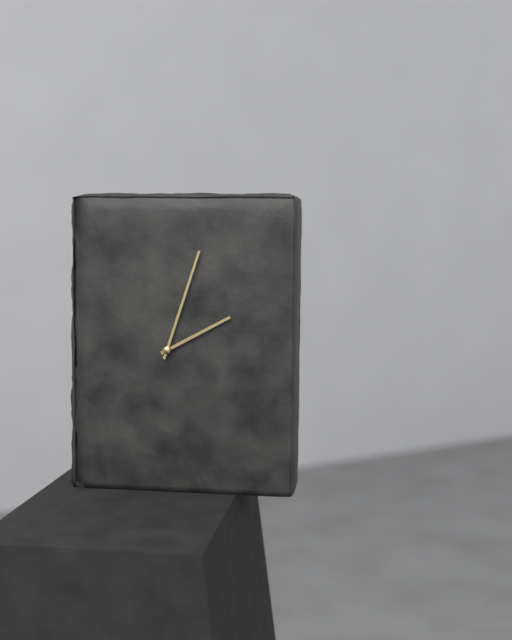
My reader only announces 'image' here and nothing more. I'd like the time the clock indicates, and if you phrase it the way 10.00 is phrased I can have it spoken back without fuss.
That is 2.03
